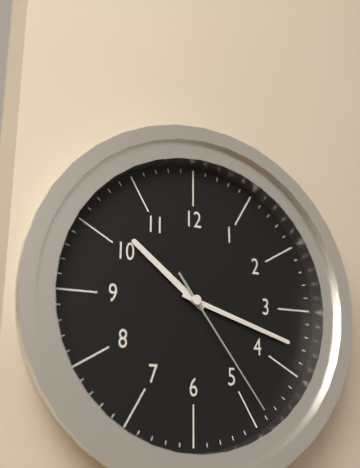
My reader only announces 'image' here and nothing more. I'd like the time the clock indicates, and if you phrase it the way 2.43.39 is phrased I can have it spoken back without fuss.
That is 10.18.24
